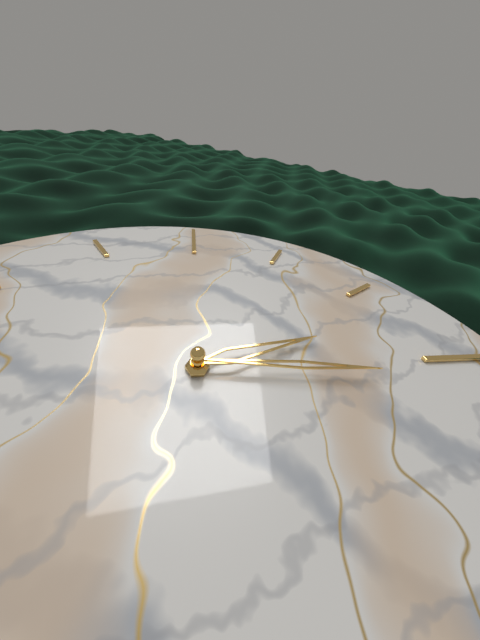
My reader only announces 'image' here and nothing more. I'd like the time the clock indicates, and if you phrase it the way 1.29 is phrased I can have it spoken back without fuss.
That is 5.31
